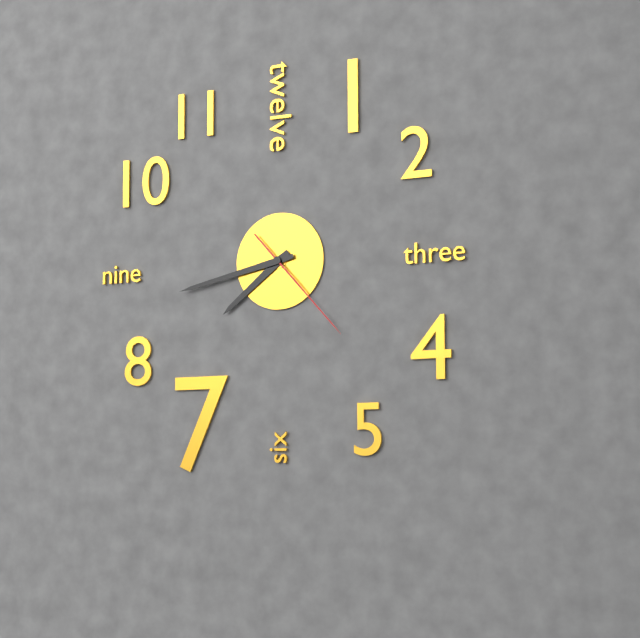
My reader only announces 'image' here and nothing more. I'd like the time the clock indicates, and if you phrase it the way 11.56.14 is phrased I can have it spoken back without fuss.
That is 7.43.23
